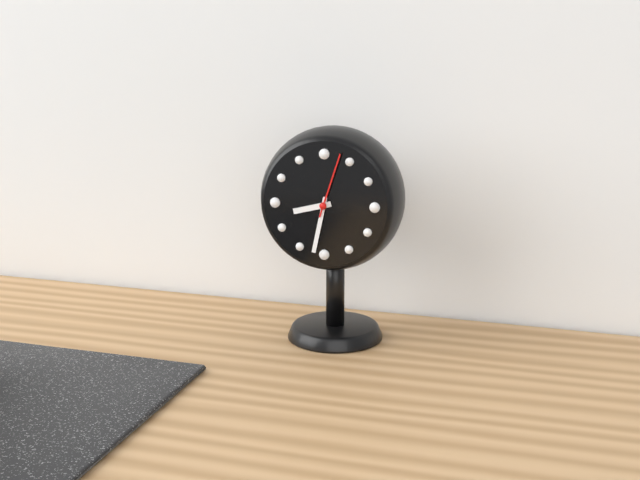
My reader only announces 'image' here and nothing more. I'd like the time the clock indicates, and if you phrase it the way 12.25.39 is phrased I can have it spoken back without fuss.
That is 8.32.03
